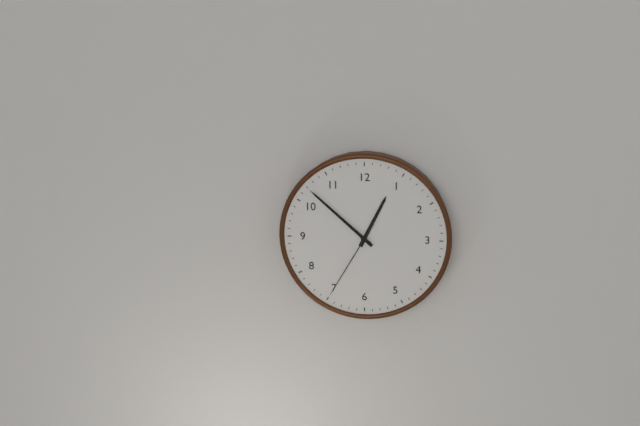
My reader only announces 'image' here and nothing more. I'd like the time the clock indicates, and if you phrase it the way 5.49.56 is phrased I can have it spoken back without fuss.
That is 12.52.35
